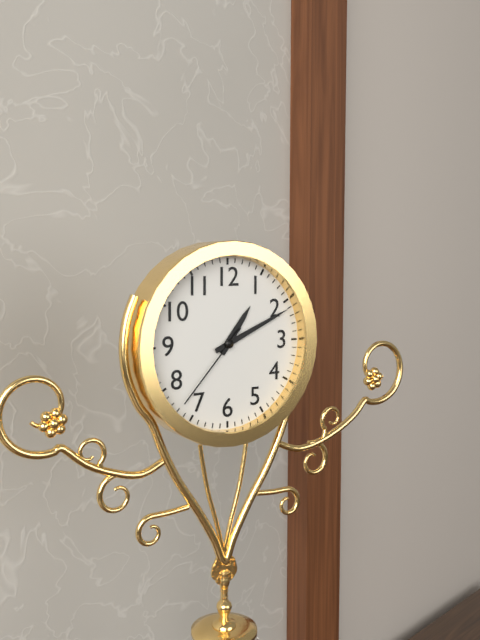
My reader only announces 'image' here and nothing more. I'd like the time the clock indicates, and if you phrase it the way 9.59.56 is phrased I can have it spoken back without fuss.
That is 1.11.37
